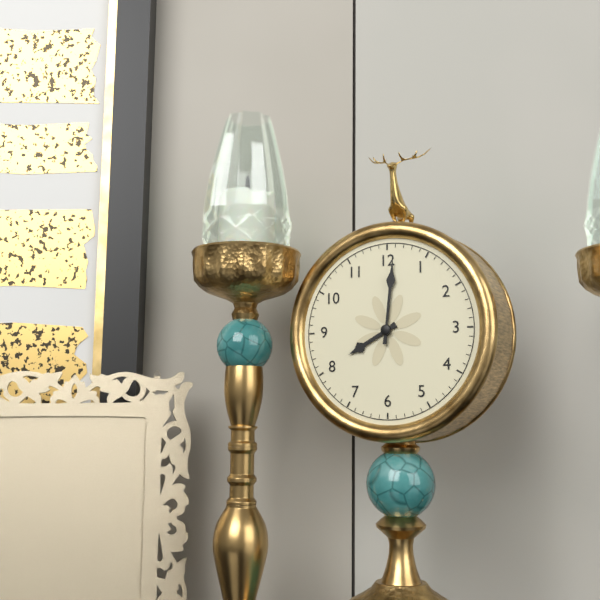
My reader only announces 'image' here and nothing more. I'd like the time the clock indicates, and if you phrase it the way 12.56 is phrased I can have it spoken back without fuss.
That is 8.01
